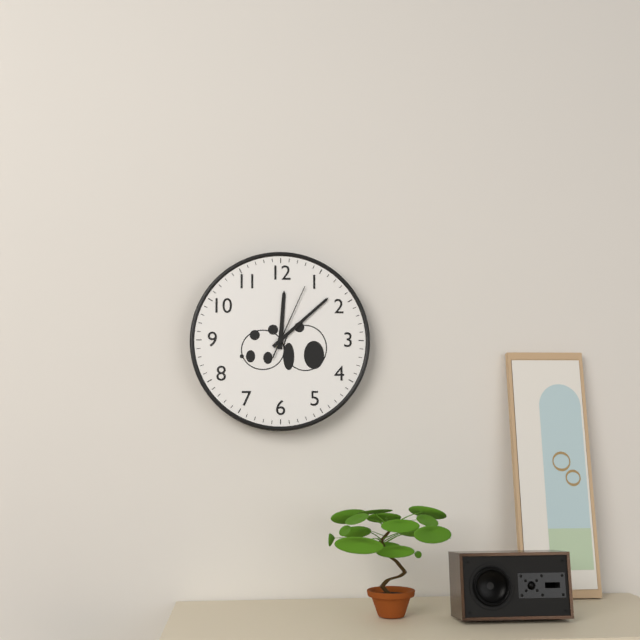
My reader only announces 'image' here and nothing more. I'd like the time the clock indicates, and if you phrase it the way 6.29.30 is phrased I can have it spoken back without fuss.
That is 12.08.04
